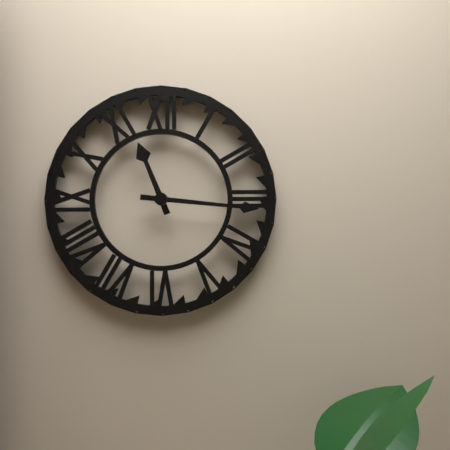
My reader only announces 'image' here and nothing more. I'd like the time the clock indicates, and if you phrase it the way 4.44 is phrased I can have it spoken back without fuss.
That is 11.16
